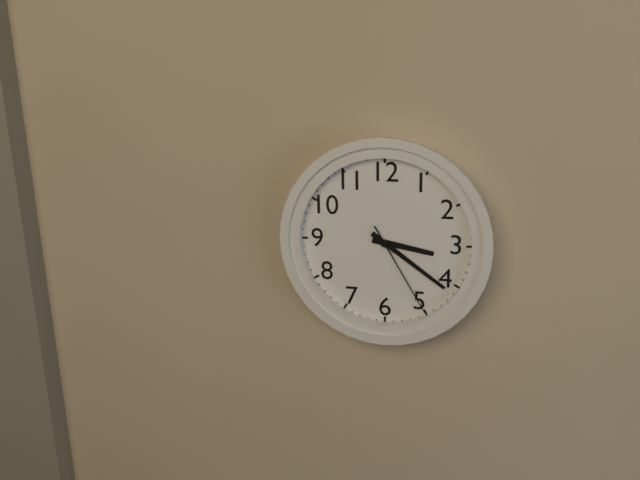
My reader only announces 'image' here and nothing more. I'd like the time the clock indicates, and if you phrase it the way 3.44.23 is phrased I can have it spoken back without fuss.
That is 3.21.25
